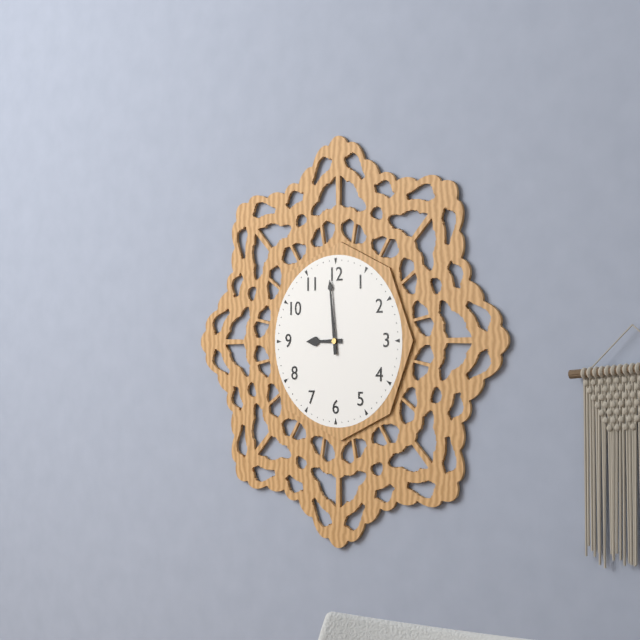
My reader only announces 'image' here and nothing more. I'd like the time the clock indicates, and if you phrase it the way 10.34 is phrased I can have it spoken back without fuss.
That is 8.59
